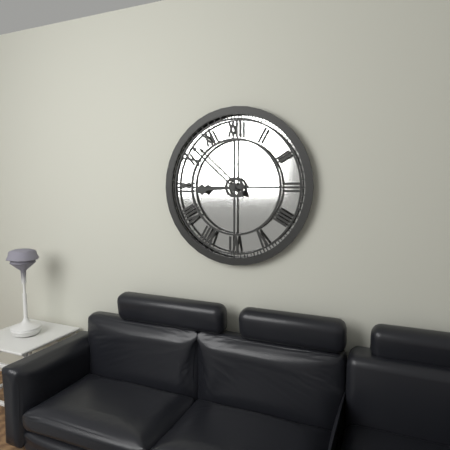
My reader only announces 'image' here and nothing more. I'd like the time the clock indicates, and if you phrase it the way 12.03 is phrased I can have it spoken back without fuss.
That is 8.52
